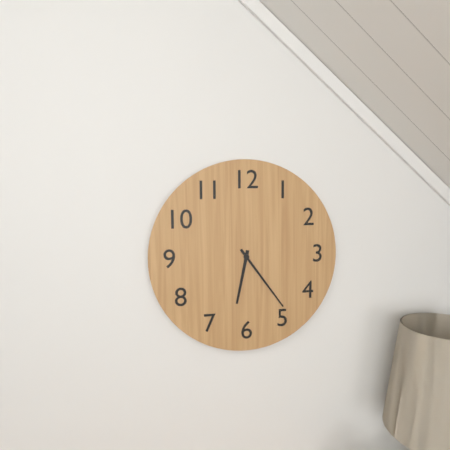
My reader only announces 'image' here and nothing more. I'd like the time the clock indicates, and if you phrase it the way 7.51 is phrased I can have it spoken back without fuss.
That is 6.24
